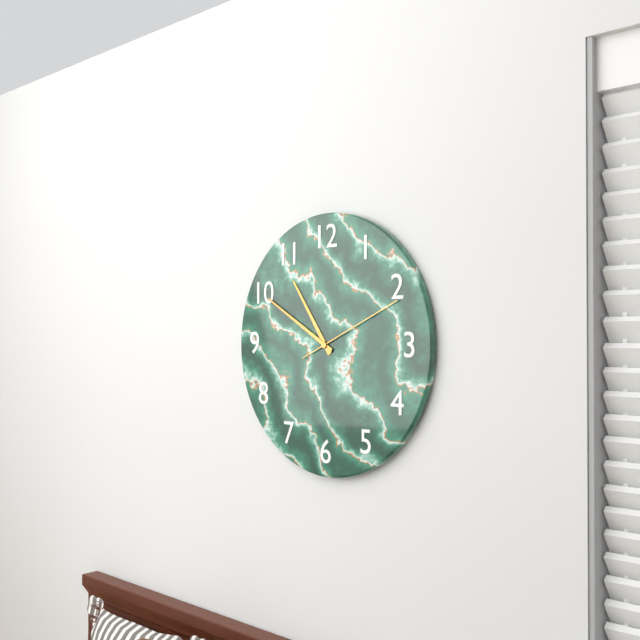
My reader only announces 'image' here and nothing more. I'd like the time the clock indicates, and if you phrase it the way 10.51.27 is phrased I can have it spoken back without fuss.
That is 10.50.11
